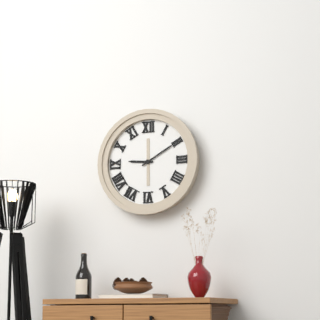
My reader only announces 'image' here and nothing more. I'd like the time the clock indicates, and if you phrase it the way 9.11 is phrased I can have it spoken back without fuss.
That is 9.10
